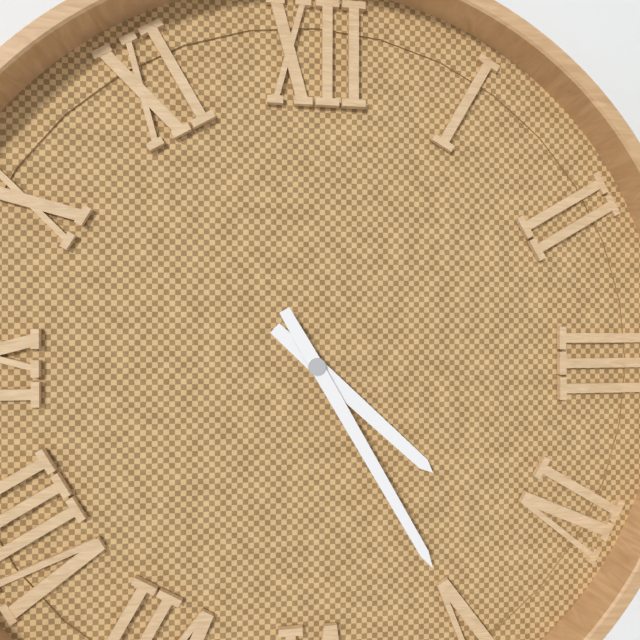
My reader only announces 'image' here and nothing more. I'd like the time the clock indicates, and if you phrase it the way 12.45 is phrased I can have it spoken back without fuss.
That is 4.25
